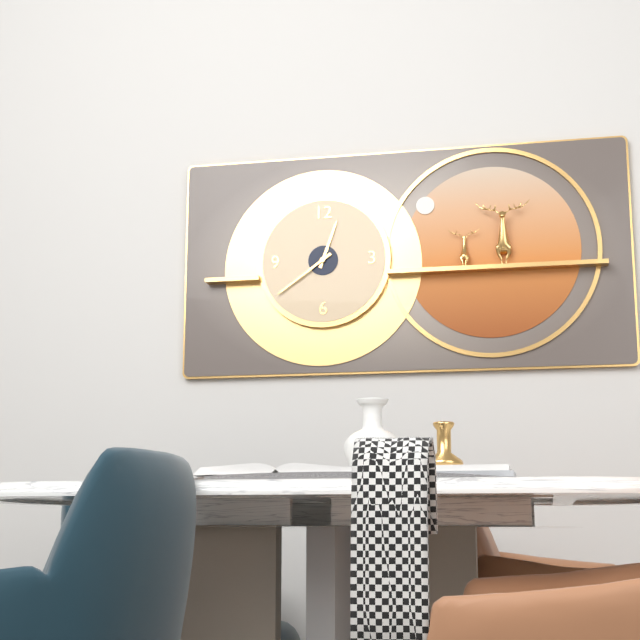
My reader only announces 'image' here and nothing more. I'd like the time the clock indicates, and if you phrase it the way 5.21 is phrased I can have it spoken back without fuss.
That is 12.39
